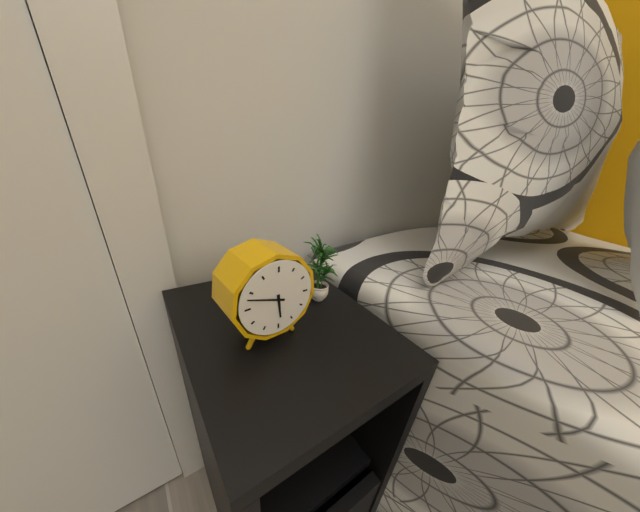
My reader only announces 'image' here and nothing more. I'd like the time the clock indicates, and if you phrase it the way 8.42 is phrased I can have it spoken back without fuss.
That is 5.48
